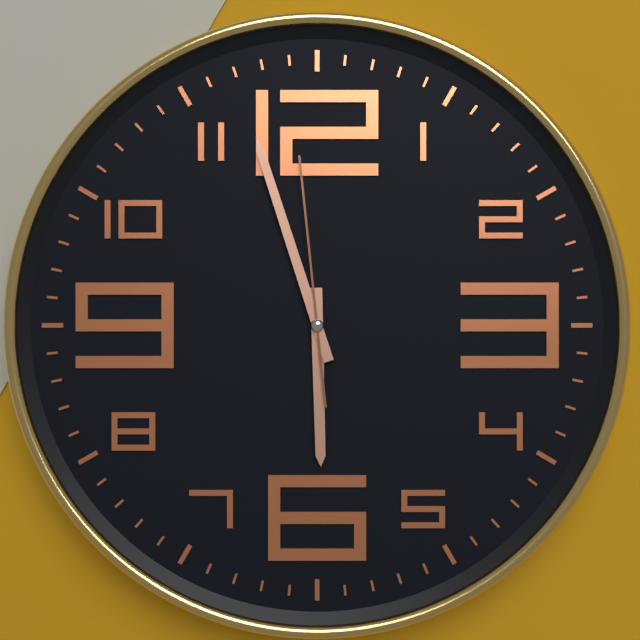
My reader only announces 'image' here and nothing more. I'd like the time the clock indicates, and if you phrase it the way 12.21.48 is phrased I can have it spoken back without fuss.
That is 5.57.59
